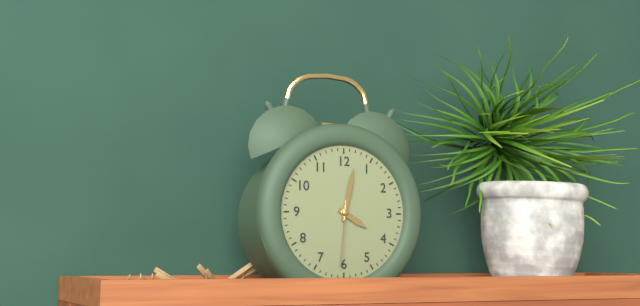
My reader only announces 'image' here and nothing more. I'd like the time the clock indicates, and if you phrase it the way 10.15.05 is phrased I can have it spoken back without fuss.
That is 4.02.31
